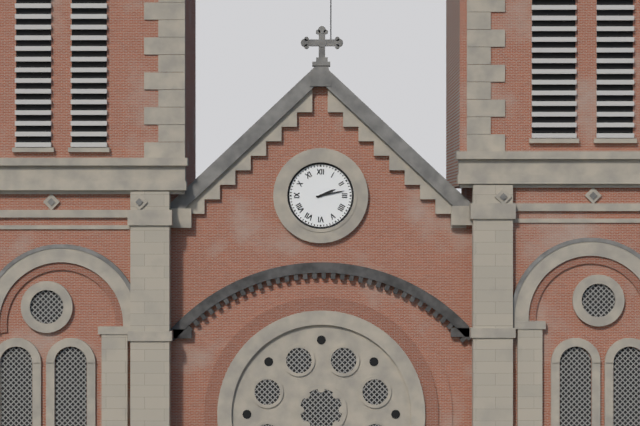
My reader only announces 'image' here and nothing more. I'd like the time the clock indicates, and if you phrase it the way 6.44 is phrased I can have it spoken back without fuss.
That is 2.13
